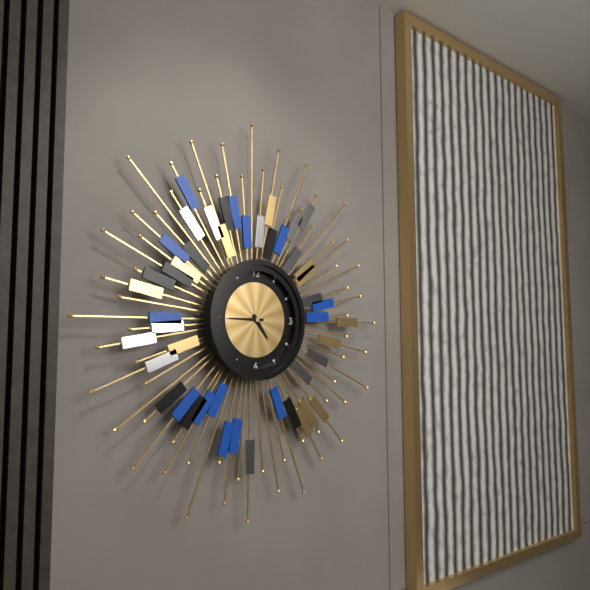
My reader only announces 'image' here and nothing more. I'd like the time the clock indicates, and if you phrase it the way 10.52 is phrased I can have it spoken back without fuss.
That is 4.45
